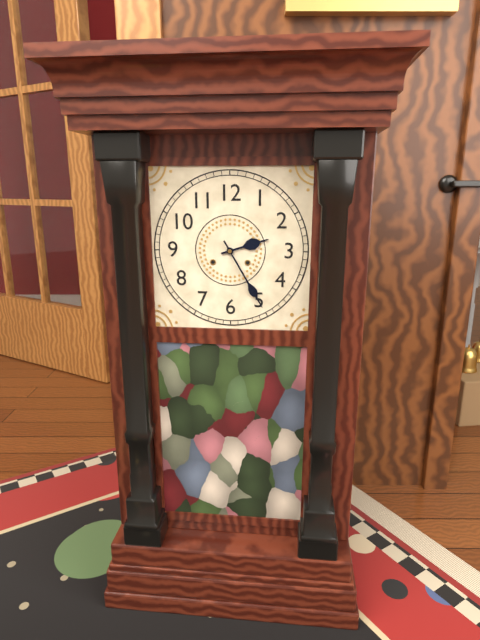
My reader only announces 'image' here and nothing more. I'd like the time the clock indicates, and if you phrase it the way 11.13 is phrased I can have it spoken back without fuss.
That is 2.25
